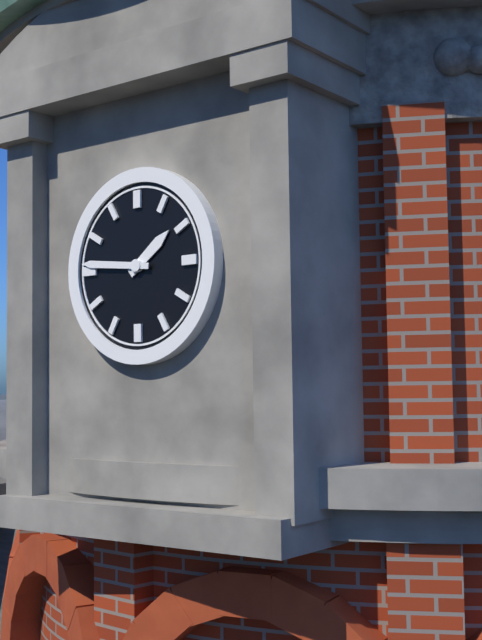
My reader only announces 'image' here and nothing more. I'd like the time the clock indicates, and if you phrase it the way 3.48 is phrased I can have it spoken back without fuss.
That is 1.46
